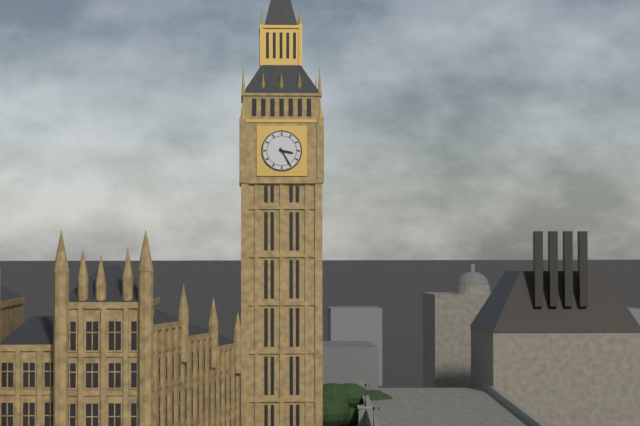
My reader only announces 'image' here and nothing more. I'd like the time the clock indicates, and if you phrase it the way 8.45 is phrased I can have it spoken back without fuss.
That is 3.25
